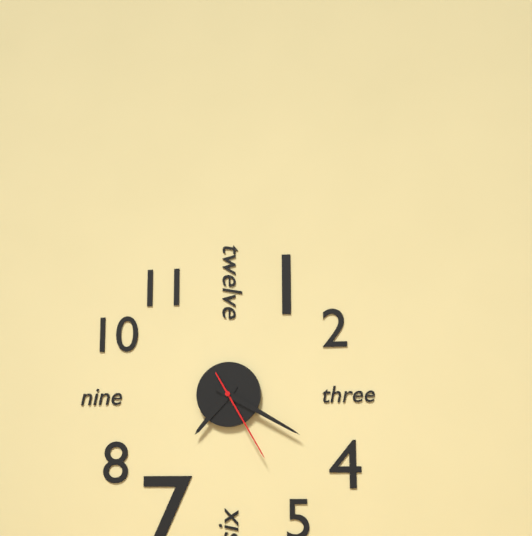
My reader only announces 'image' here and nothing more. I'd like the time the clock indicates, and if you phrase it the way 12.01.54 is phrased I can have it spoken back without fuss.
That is 7.20.25
